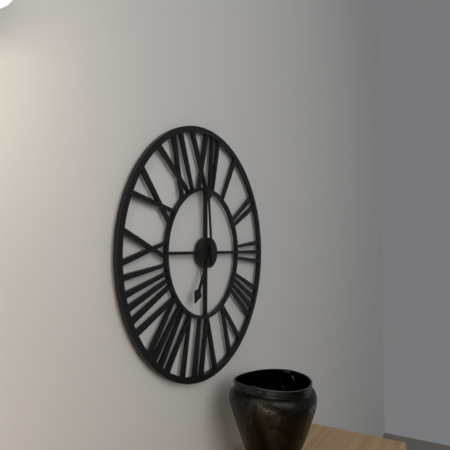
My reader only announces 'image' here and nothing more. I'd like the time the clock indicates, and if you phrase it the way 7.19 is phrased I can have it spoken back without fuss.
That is 6.59
